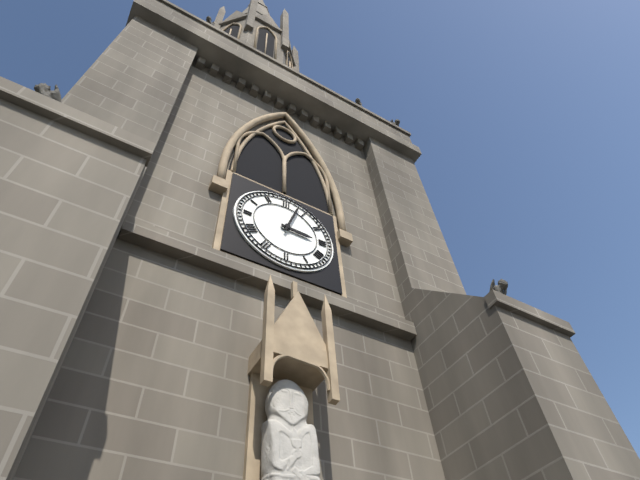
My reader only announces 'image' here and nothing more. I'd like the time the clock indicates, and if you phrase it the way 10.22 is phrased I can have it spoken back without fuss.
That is 3.03
